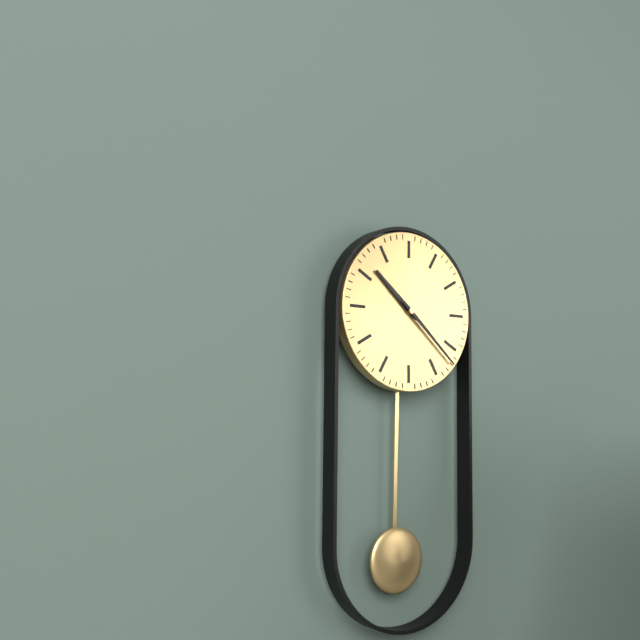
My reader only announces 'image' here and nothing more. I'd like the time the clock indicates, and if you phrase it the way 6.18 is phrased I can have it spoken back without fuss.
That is 10.22
